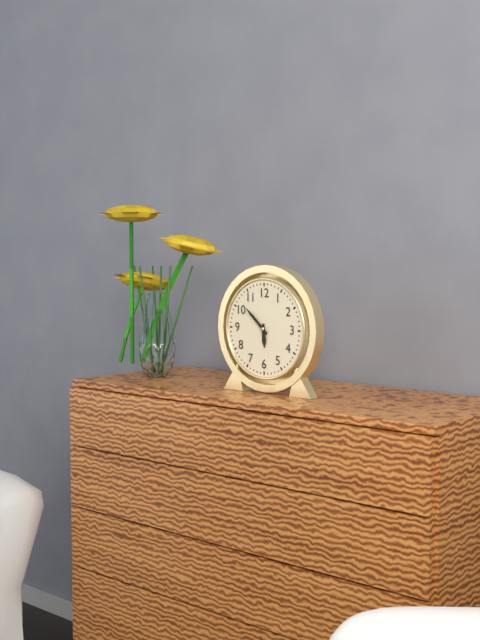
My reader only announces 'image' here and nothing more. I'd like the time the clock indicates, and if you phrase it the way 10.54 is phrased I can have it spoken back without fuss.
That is 5.52
